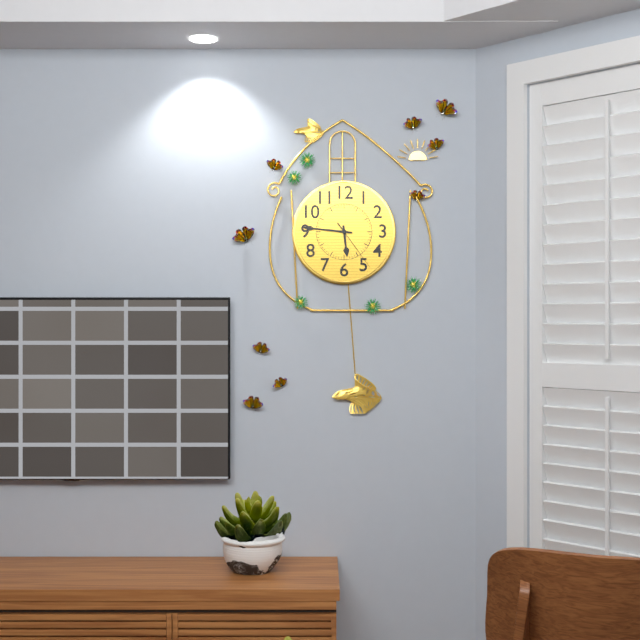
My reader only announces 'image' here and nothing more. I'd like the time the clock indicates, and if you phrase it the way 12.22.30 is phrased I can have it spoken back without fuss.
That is 5.46.24
